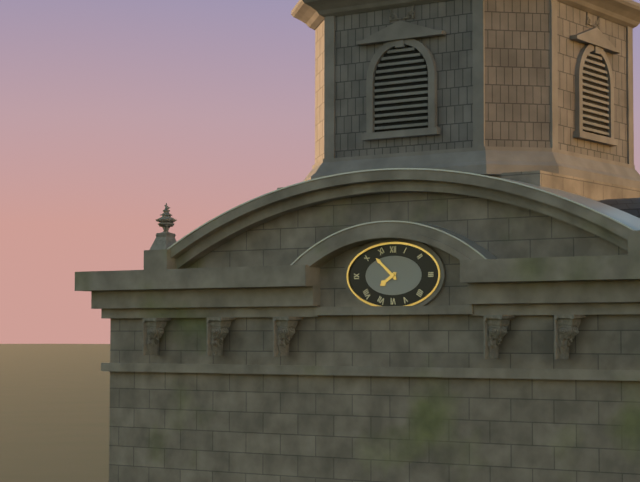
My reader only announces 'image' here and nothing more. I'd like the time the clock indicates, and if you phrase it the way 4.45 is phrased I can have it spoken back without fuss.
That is 7.52
